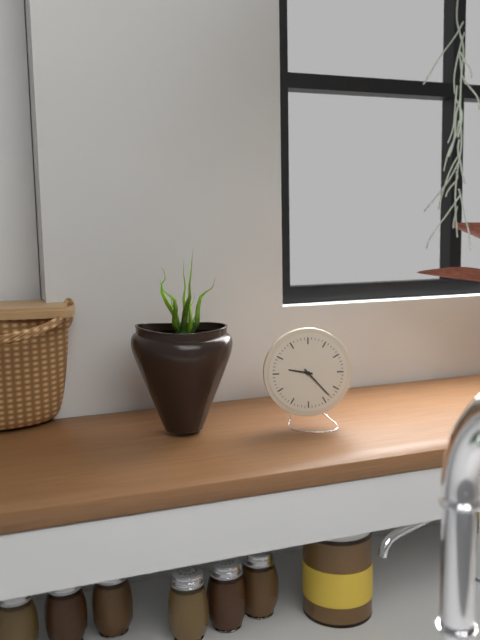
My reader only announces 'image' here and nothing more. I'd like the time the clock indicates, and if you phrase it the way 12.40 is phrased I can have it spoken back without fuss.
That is 9.23
